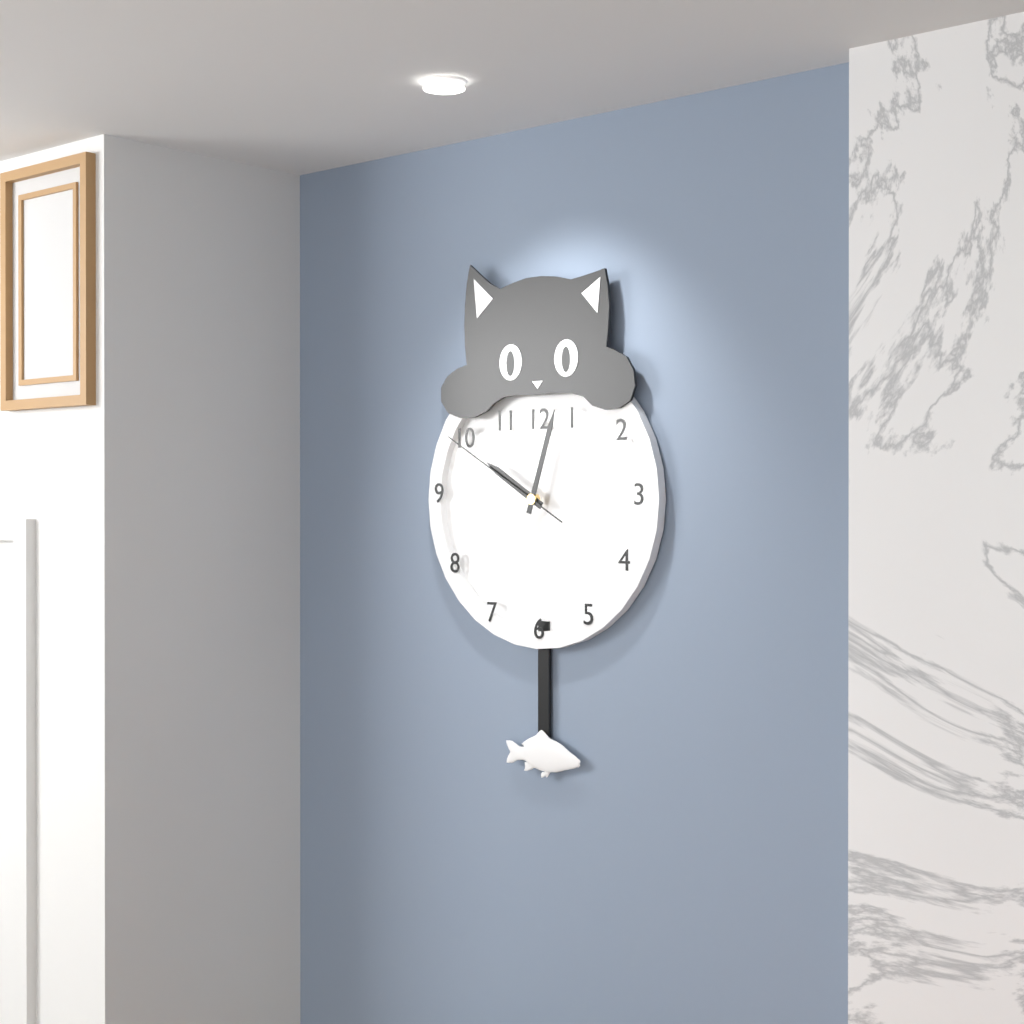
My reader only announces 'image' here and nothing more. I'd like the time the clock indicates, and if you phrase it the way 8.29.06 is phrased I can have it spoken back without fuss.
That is 10.03.50
